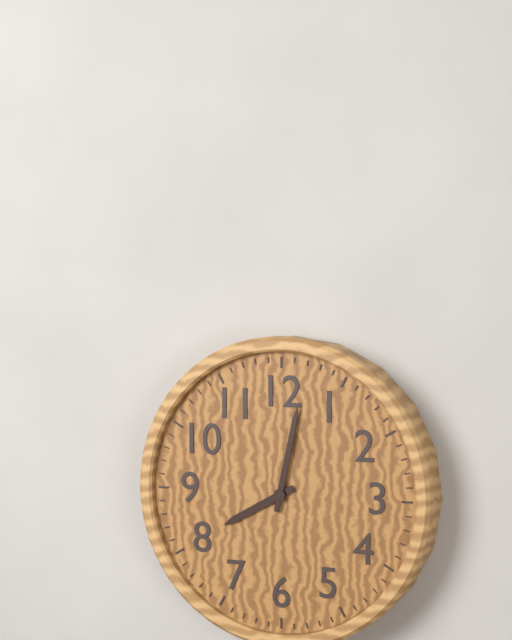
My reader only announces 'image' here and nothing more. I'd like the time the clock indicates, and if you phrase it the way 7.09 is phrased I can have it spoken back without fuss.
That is 8.02
